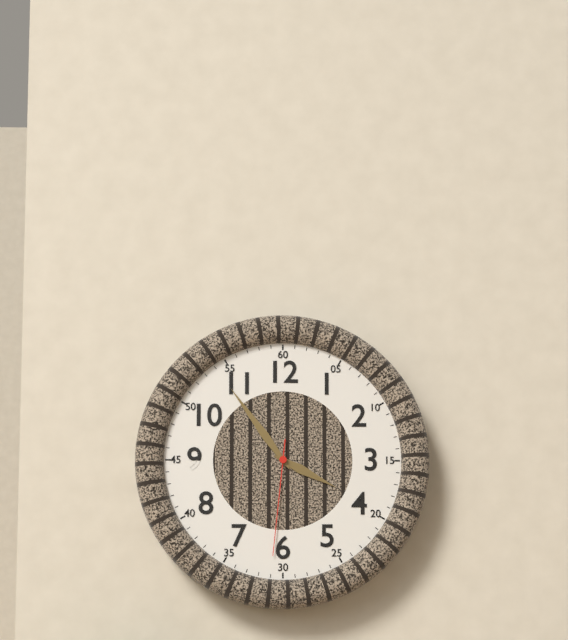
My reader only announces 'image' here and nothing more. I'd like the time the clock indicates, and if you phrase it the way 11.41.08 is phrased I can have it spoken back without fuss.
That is 3.54.31
